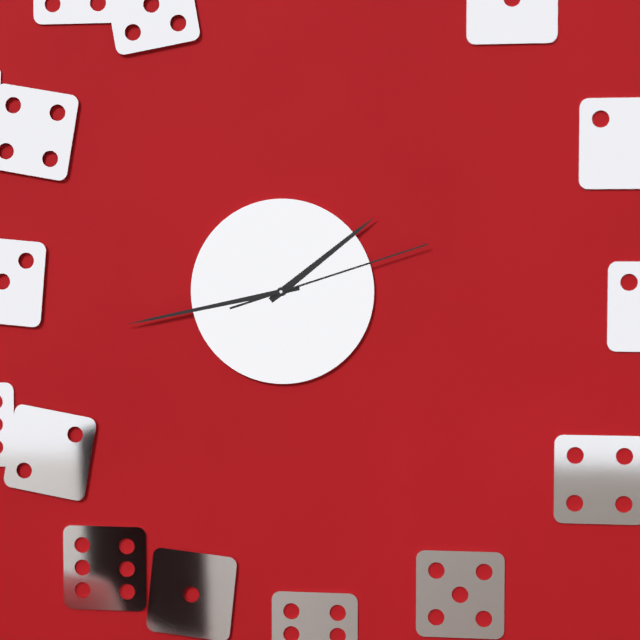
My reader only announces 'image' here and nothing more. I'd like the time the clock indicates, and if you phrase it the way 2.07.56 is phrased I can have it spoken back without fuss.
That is 1.43.12
